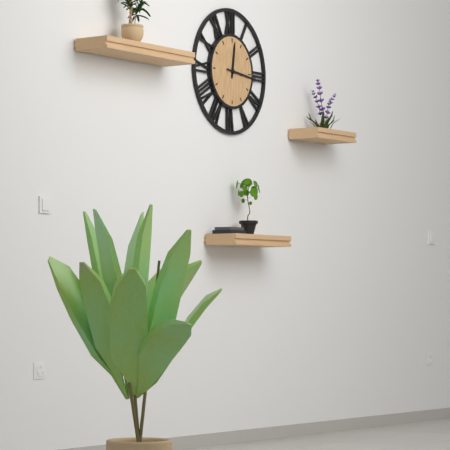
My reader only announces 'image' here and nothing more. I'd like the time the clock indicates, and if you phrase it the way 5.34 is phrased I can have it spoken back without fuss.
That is 12.16
